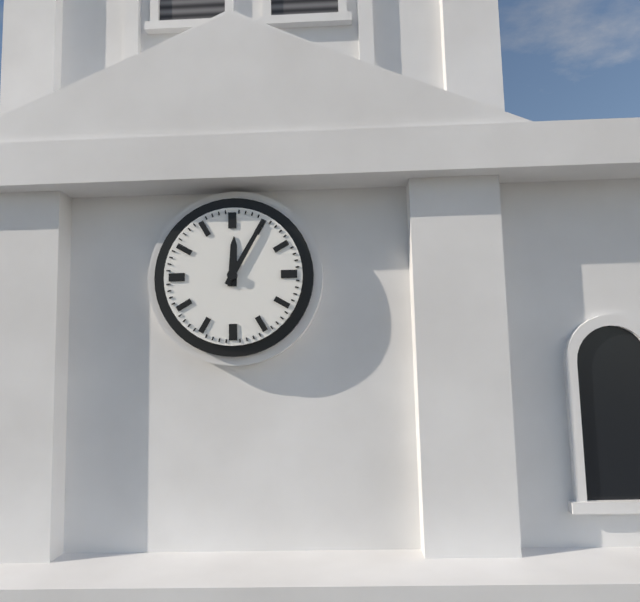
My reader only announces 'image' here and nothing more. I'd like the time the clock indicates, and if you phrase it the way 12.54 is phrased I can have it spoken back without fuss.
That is 12.05
